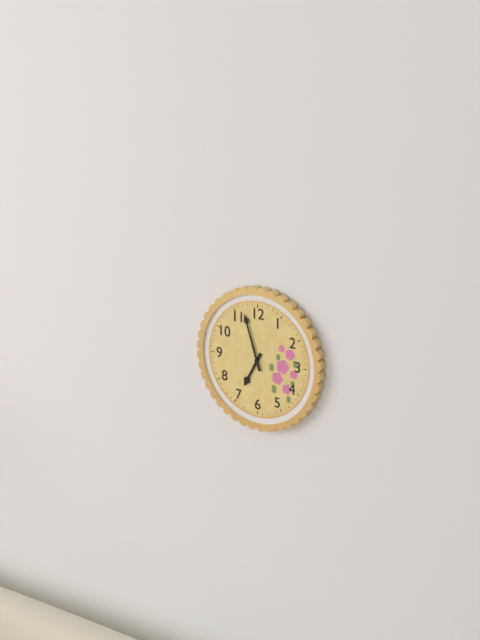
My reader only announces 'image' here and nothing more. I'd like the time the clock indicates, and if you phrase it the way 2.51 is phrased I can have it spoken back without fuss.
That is 6.57
